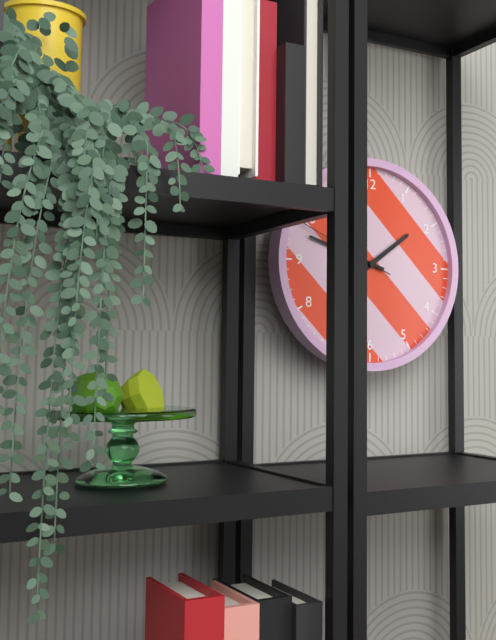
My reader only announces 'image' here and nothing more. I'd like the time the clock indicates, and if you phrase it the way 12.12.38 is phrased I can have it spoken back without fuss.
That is 1.48.49
